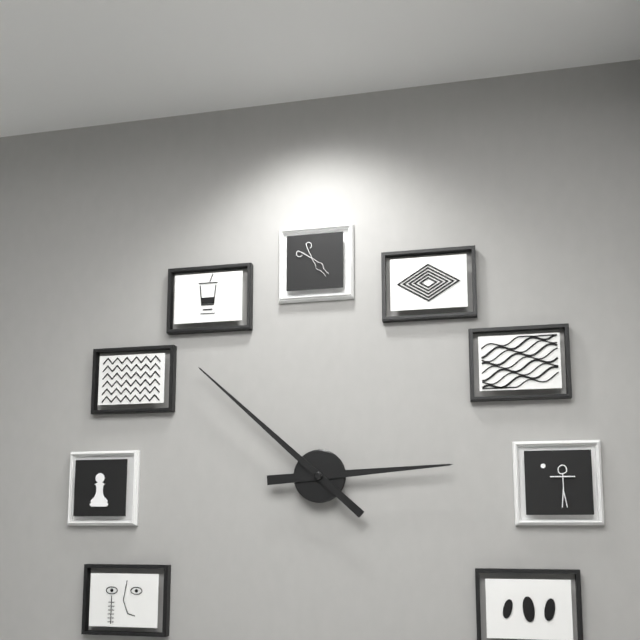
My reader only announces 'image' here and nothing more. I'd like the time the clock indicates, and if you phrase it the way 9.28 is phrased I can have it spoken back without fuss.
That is 2.52
